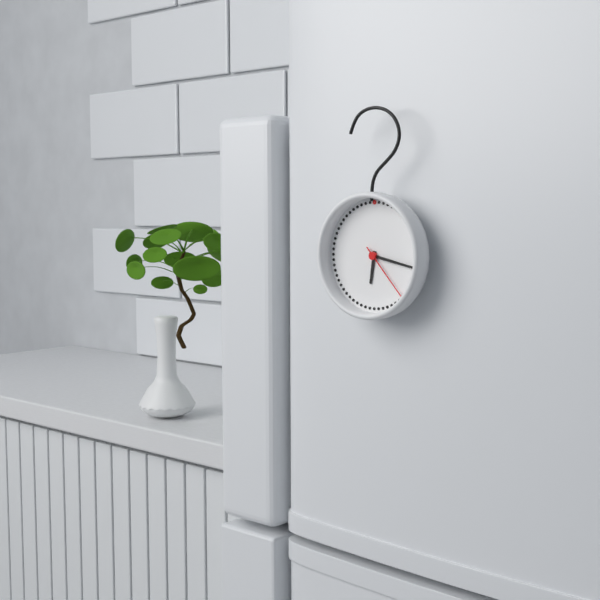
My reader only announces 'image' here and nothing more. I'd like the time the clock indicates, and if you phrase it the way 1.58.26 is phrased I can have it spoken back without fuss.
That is 6.17.23
